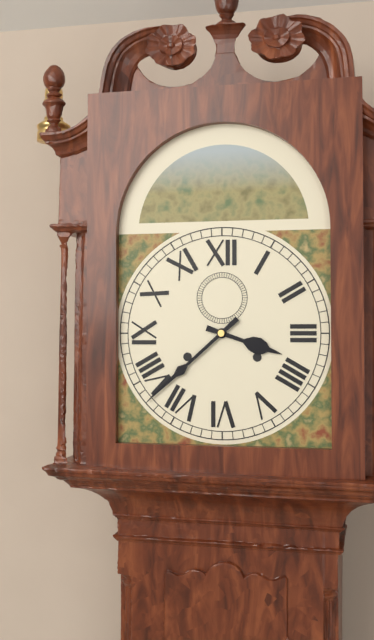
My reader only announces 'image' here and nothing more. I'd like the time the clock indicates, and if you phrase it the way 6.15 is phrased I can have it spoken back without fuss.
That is 3.38
